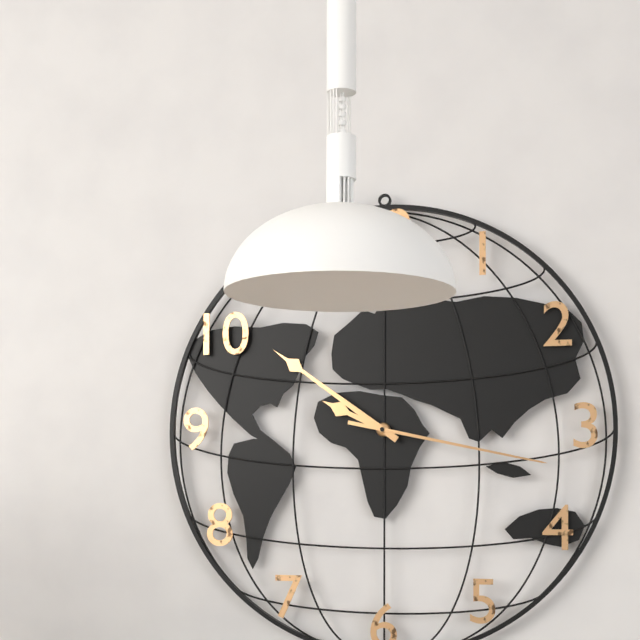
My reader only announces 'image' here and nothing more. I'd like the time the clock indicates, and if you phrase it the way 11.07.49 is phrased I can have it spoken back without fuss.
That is 9.51.17
